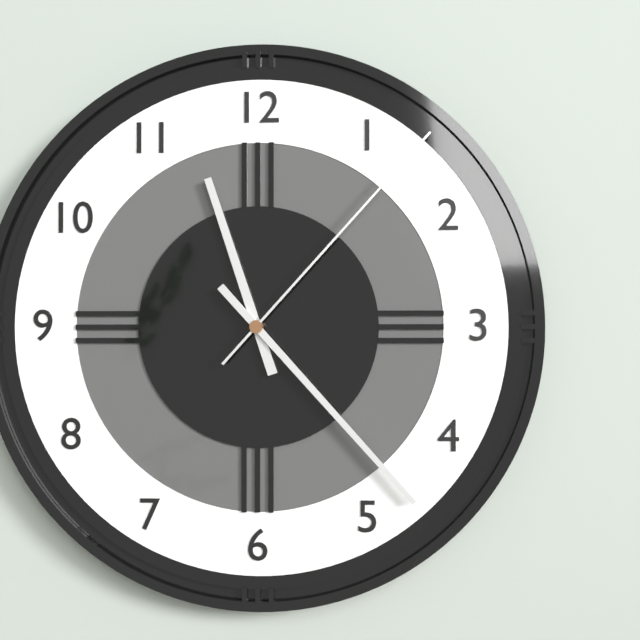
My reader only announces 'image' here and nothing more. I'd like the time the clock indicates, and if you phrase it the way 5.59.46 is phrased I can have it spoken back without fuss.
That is 11.23.07
